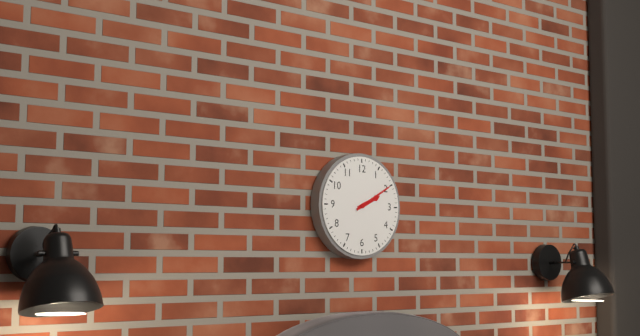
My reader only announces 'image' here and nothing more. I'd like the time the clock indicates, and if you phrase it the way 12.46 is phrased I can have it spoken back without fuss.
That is 2.10
